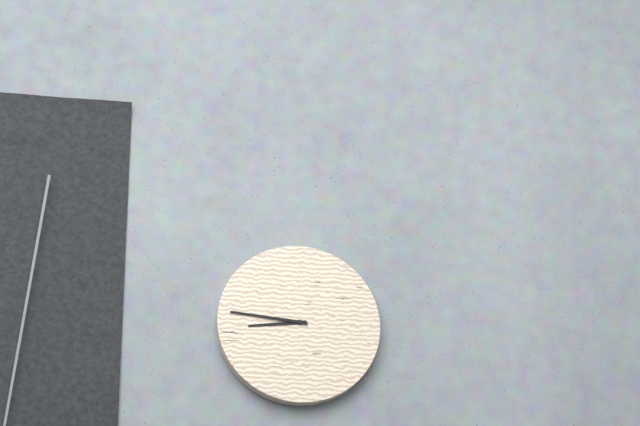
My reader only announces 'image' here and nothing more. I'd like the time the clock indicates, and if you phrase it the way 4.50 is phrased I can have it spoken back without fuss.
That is 8.46
